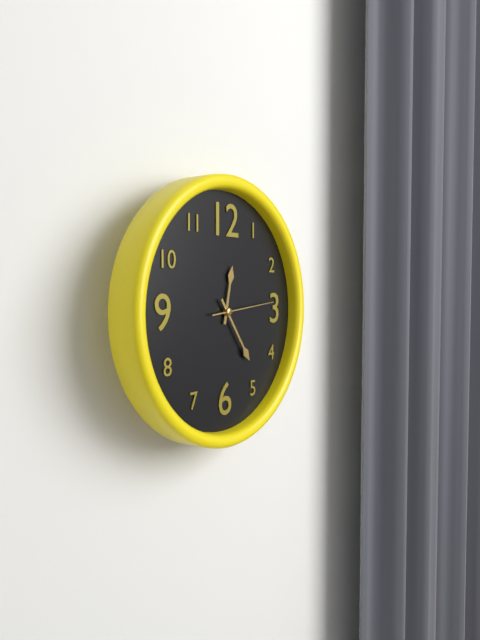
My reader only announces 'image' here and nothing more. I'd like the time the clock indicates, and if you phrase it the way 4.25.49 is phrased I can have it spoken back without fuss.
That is 12.24.14
